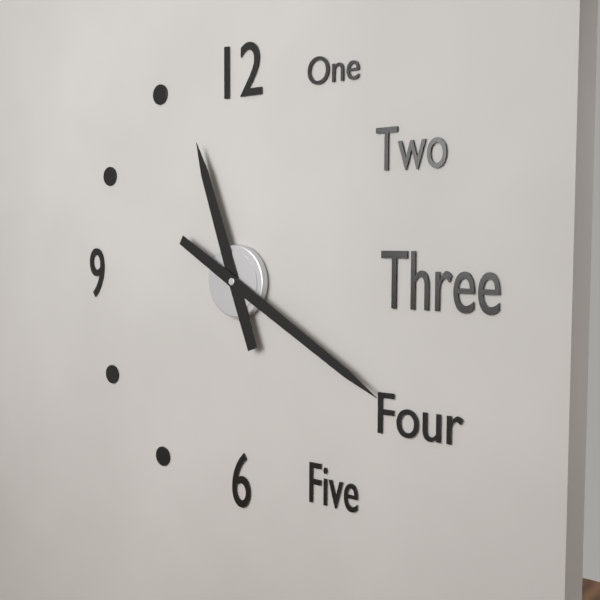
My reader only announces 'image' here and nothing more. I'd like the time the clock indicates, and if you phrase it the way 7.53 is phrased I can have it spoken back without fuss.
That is 11.20
